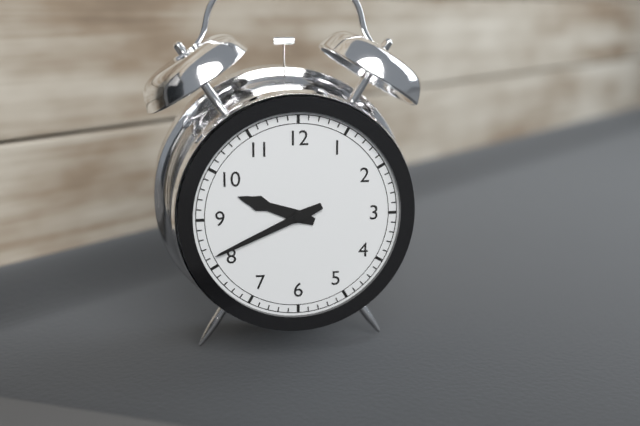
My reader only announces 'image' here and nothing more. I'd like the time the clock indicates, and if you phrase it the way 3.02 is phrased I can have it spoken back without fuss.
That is 9.41
